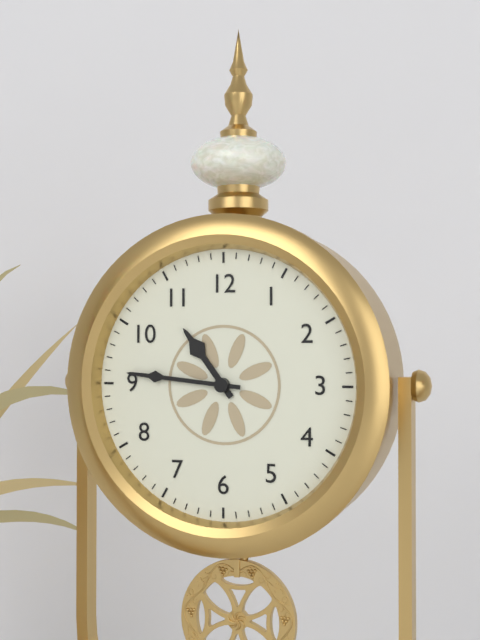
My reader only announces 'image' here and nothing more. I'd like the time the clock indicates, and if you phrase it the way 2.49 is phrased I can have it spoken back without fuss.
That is 10.46
